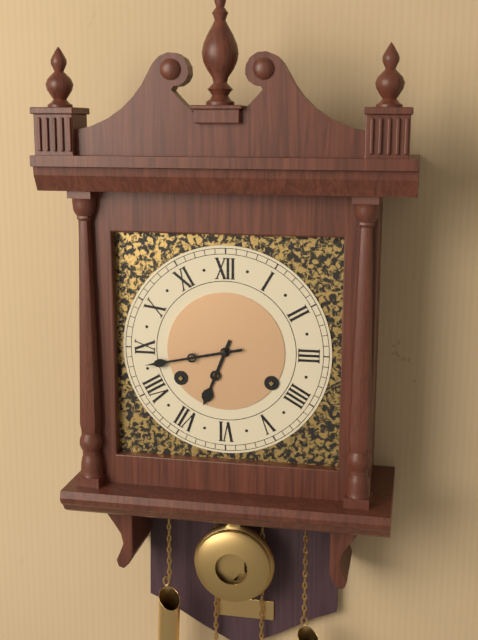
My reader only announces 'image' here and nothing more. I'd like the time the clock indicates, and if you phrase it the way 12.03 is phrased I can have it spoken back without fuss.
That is 6.43
